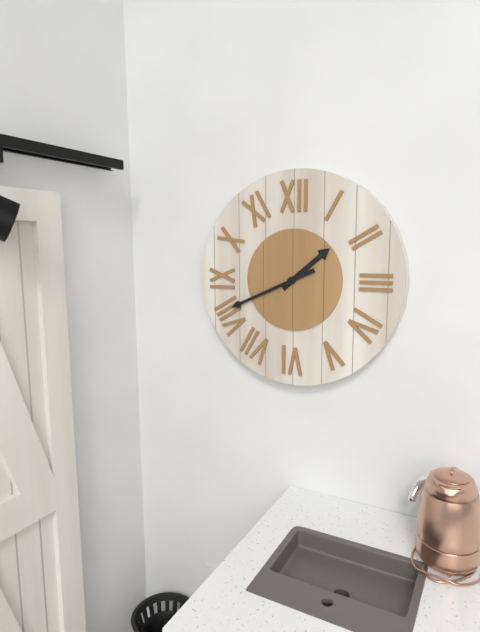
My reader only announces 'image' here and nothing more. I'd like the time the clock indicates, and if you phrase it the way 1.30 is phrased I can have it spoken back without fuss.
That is 1.41
